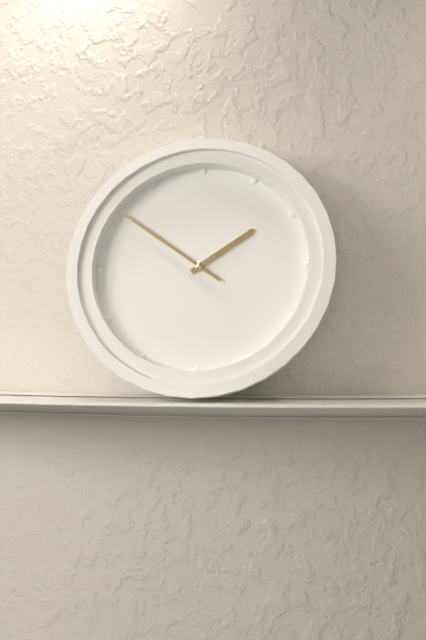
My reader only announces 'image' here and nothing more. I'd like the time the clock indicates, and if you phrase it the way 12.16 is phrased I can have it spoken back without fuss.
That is 1.51
